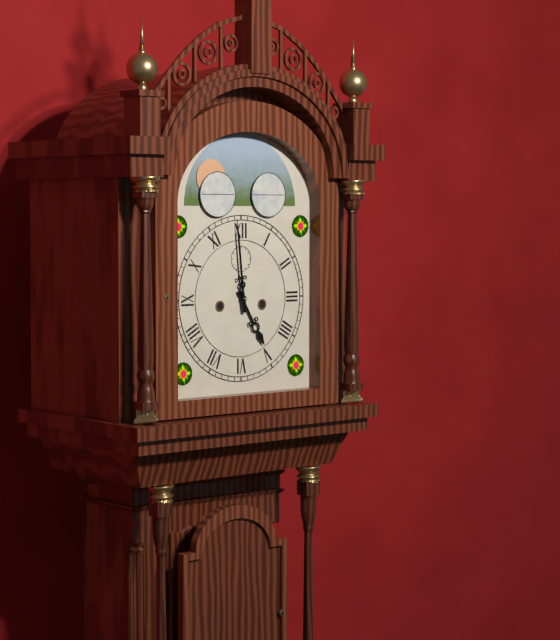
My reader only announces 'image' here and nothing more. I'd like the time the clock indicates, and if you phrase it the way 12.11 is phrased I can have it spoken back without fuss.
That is 4.59
